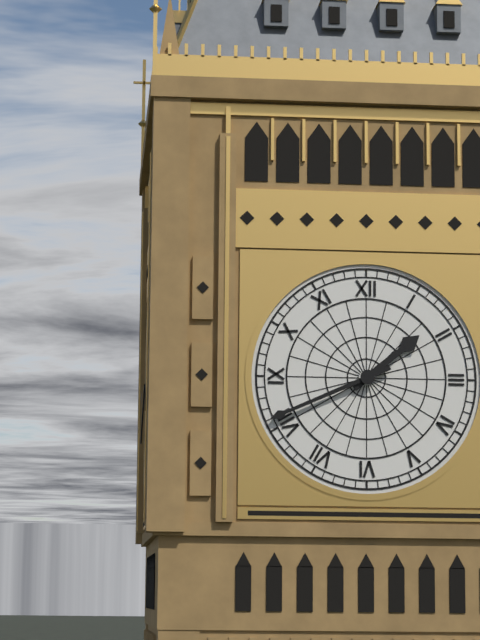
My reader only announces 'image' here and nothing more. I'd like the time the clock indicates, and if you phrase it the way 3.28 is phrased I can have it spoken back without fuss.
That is 1.41
